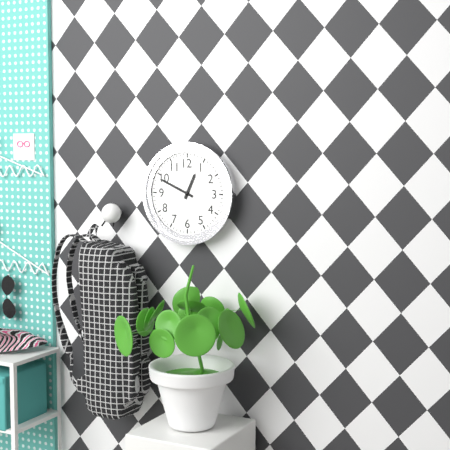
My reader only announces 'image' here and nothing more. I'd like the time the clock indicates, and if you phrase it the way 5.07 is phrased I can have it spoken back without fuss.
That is 12.49
